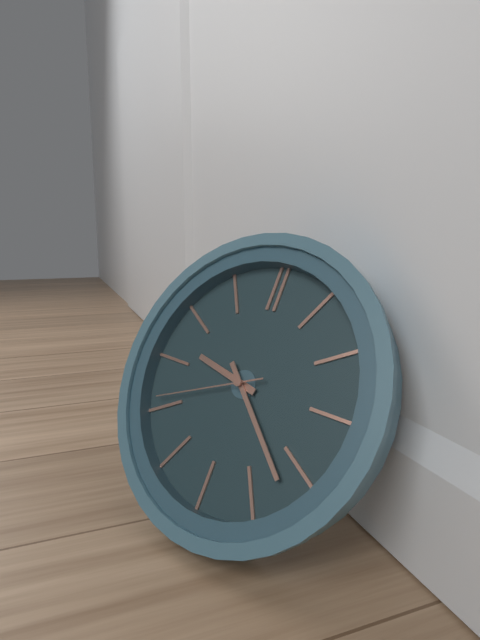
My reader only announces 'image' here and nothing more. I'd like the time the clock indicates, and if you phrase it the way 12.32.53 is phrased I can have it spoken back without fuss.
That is 9.22.41
